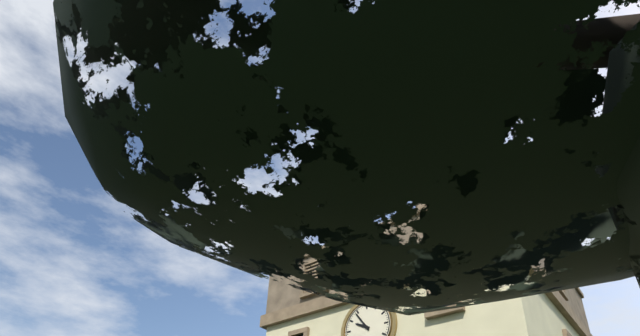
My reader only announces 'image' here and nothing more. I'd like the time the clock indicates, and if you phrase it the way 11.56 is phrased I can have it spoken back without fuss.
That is 9.54
